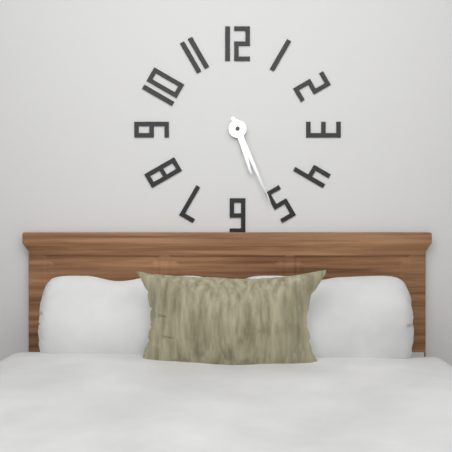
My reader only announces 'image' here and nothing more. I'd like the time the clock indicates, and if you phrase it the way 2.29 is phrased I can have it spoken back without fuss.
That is 5.26
